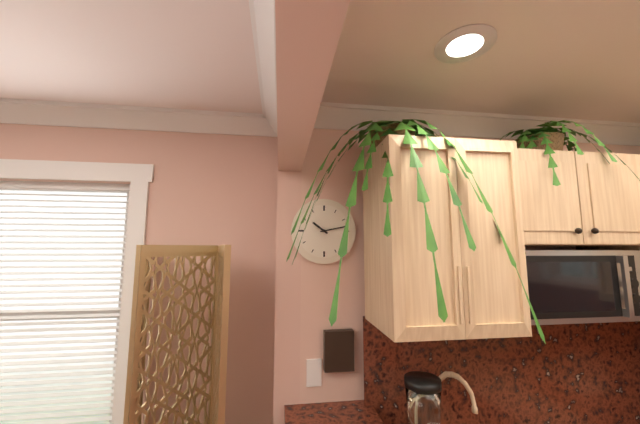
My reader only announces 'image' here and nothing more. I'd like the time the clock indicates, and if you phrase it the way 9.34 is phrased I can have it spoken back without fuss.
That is 10.13
